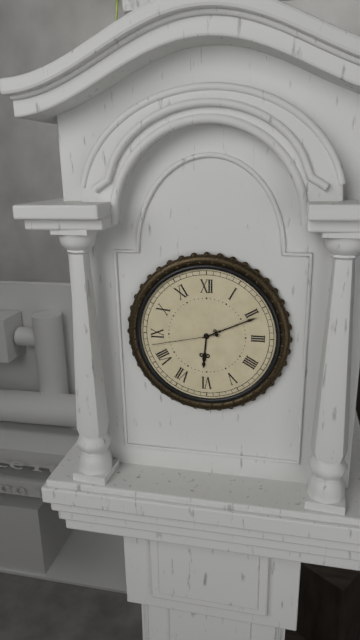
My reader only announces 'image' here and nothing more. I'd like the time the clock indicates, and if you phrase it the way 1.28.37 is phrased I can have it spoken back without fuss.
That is 6.11.43
